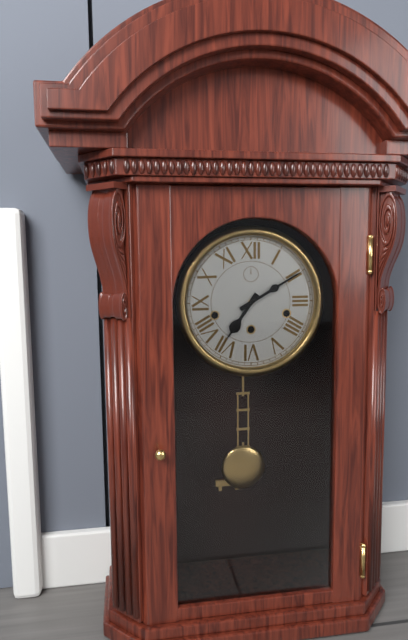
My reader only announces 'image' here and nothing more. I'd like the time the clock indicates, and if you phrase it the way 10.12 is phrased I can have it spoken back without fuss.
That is 7.10
